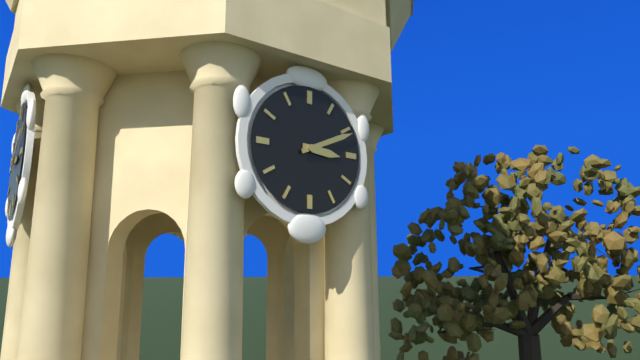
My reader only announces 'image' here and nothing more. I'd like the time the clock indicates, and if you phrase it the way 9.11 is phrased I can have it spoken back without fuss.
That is 3.11
